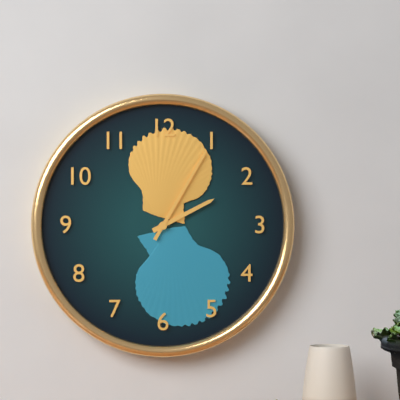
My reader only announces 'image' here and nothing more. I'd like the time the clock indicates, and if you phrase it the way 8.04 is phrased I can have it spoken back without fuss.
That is 2.05
